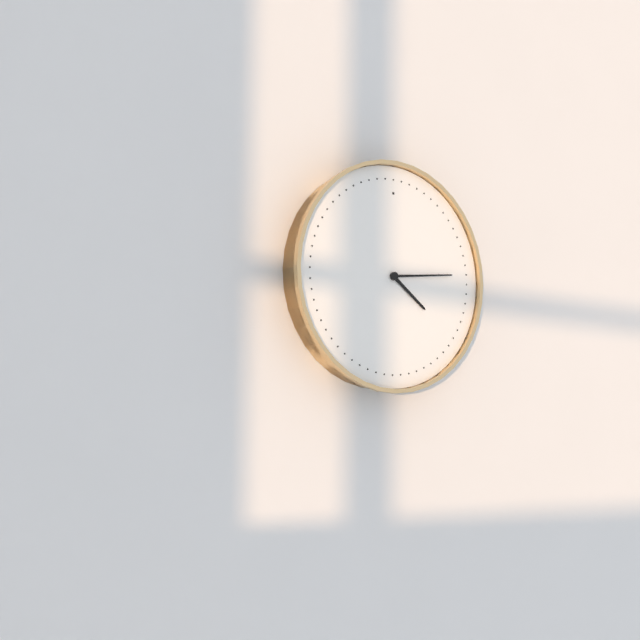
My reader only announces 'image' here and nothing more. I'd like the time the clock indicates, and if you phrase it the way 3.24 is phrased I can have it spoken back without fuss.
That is 4.14
